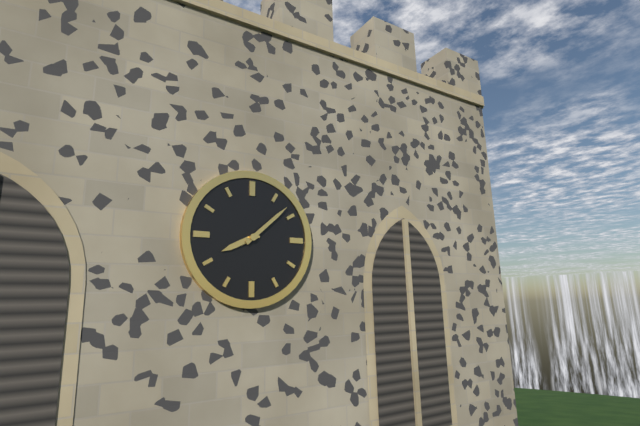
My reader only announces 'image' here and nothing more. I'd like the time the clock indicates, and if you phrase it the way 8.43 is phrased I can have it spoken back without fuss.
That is 8.08
